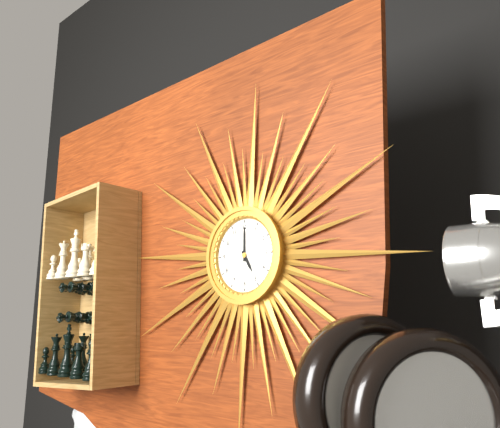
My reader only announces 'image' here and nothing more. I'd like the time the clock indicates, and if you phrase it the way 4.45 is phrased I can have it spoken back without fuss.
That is 5.00
